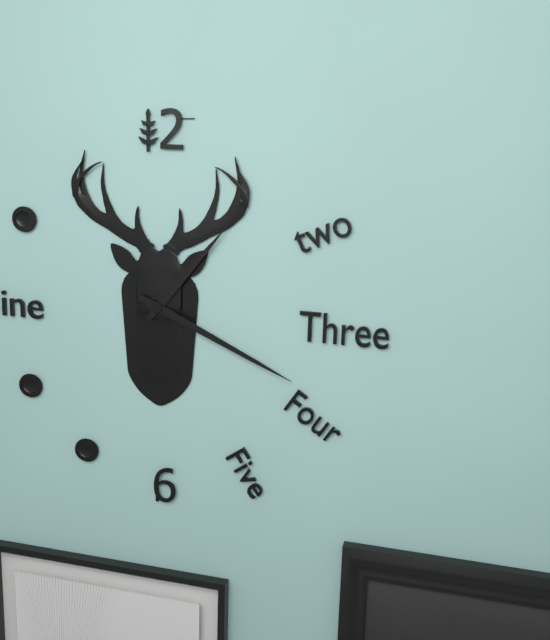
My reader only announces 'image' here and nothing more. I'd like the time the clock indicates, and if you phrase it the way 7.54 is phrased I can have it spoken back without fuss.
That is 1.19
